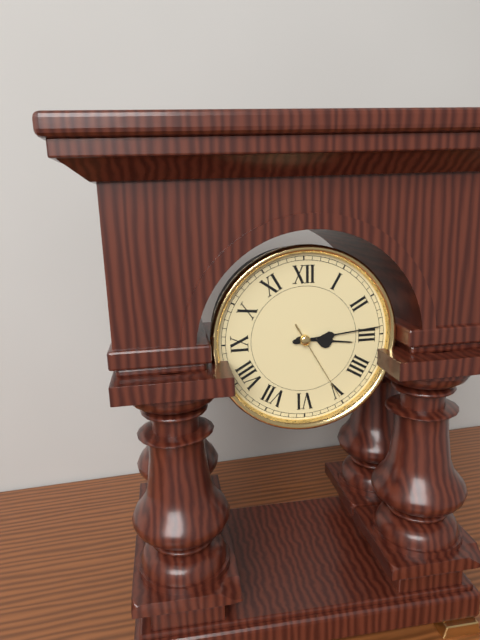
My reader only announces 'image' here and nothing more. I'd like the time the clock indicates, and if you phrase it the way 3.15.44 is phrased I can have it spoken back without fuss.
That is 3.14.25
